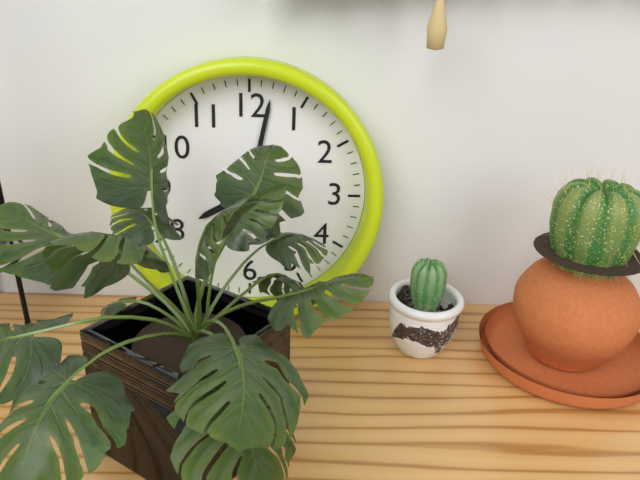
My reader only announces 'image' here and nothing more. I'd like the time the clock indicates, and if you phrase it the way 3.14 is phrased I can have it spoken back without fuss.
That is 8.02
